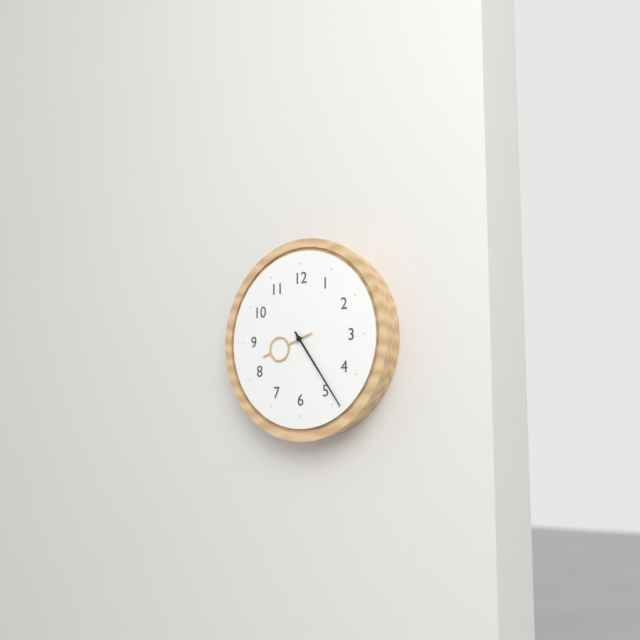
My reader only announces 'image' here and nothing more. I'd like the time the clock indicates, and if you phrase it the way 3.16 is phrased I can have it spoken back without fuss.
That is 8.24
